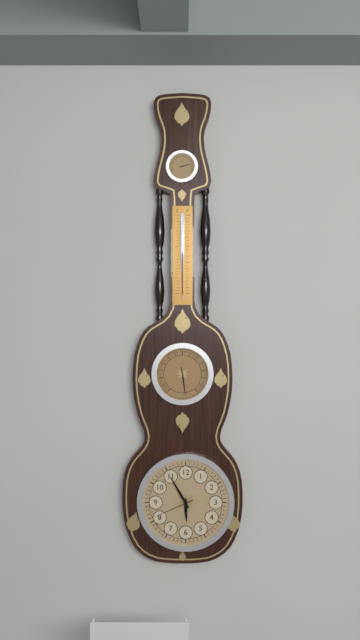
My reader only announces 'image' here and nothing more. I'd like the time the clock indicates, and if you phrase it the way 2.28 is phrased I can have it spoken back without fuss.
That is 5.55
